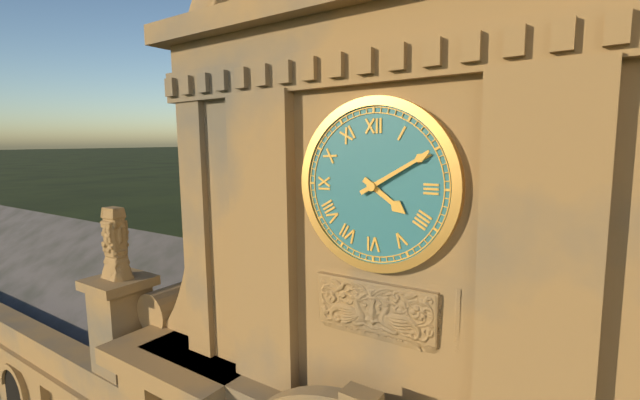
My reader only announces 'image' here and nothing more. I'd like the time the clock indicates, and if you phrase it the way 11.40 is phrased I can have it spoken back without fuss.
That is 4.10
